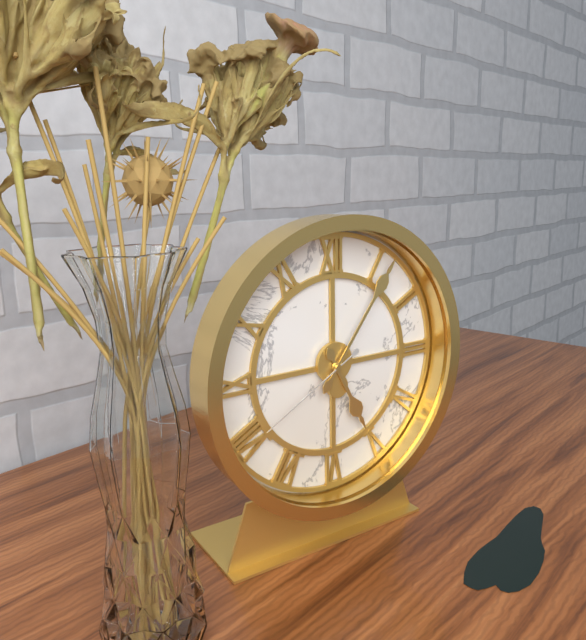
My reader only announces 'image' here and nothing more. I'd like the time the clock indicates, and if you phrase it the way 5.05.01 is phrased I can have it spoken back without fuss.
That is 5.06.40
